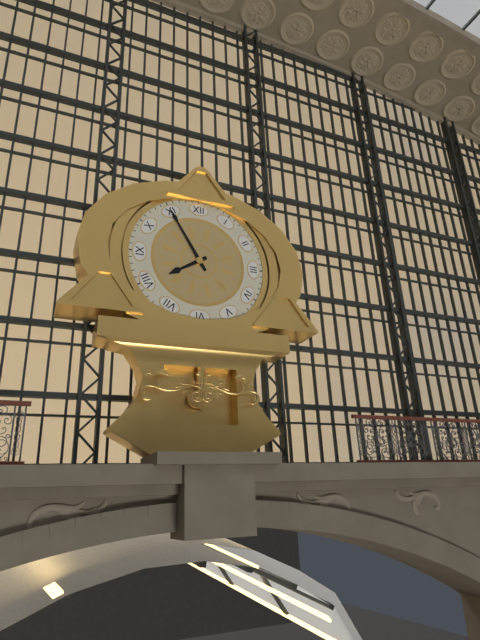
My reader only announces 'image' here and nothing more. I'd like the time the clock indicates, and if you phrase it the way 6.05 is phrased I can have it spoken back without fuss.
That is 7.55
